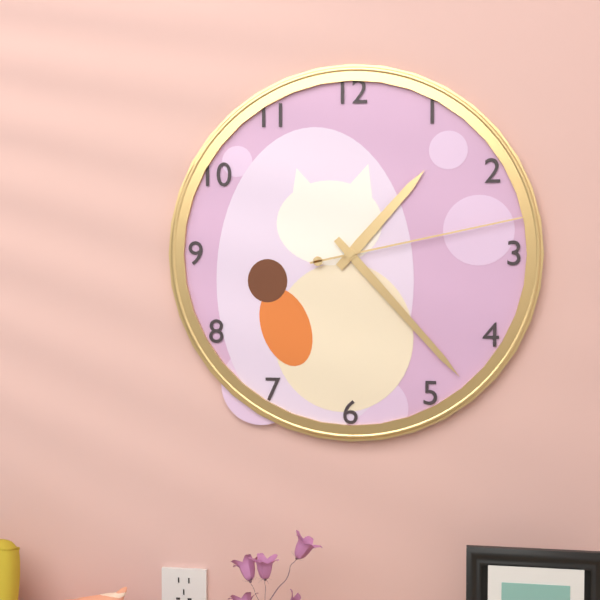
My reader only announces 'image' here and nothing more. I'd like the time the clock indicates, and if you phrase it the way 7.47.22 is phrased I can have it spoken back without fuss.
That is 1.23.13
